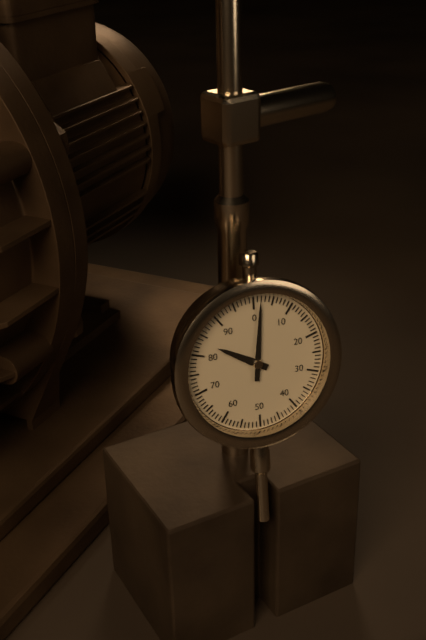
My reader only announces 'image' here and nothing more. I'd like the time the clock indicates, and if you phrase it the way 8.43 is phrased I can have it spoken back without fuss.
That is 10.01
